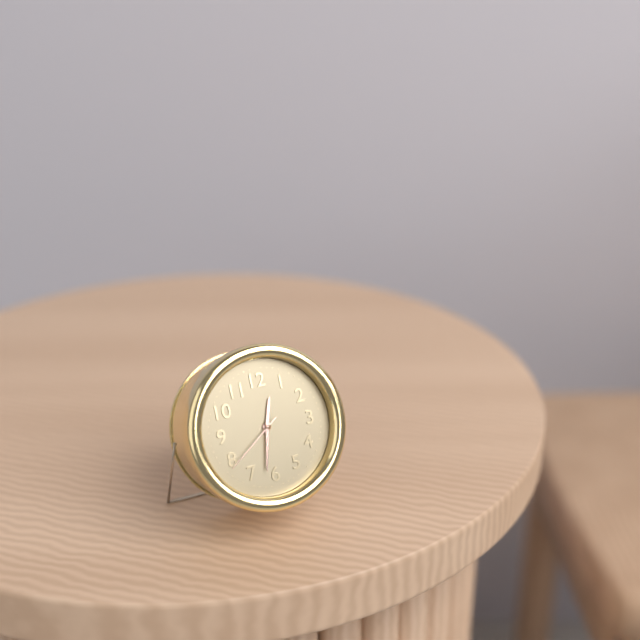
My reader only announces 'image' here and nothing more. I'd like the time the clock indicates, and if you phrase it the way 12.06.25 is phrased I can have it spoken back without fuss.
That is 12.32.39
